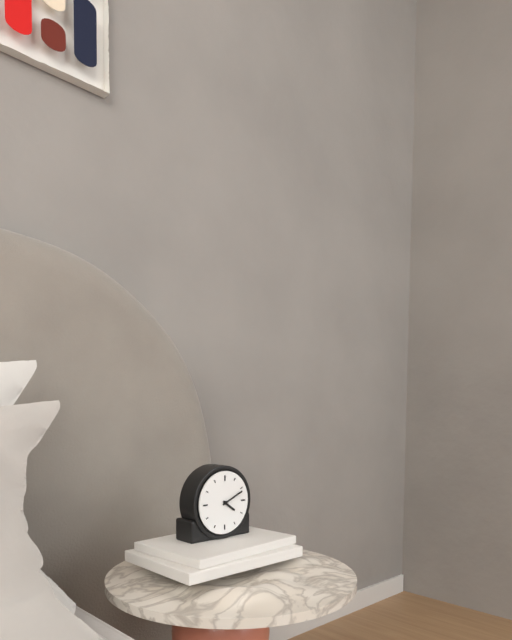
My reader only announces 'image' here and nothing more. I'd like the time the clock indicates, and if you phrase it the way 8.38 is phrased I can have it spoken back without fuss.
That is 4.11
